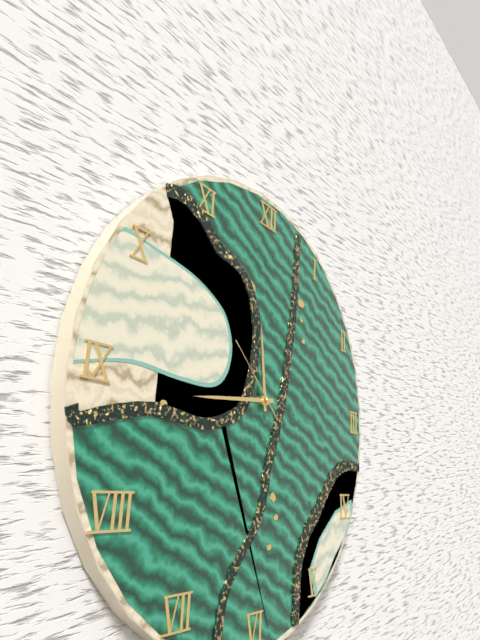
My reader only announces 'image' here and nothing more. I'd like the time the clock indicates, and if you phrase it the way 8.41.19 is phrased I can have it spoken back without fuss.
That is 11.44.52
